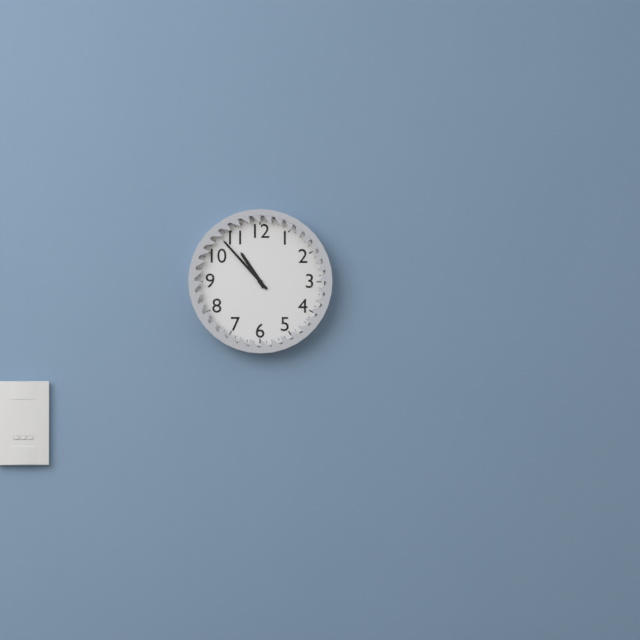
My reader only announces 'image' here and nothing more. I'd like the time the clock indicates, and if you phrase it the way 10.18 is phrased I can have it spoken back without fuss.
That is 10.53
